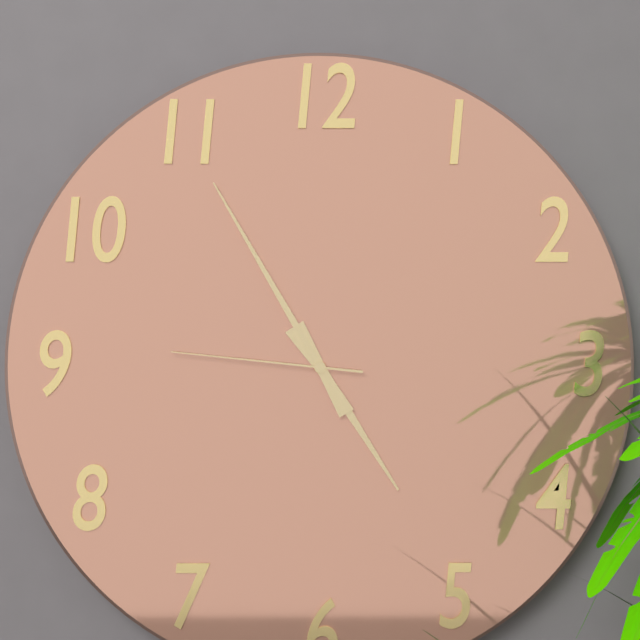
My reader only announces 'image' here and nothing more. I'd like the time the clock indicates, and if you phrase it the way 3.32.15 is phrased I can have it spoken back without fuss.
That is 4.55.46
